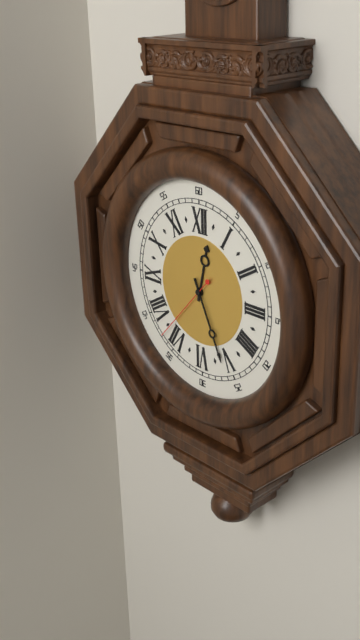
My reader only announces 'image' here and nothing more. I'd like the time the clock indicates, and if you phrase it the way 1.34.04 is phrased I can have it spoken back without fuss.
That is 12.26.37
